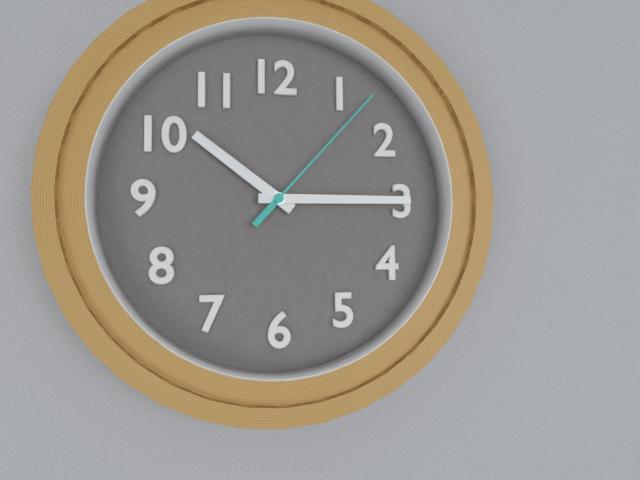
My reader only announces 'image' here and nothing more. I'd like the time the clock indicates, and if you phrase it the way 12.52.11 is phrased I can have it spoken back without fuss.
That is 10.15.07
